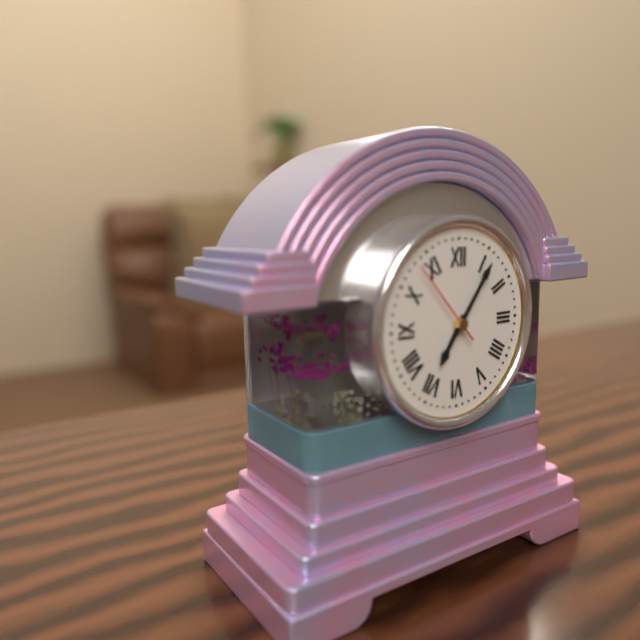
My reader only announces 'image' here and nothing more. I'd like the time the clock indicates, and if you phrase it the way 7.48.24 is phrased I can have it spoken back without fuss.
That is 7.06.53
